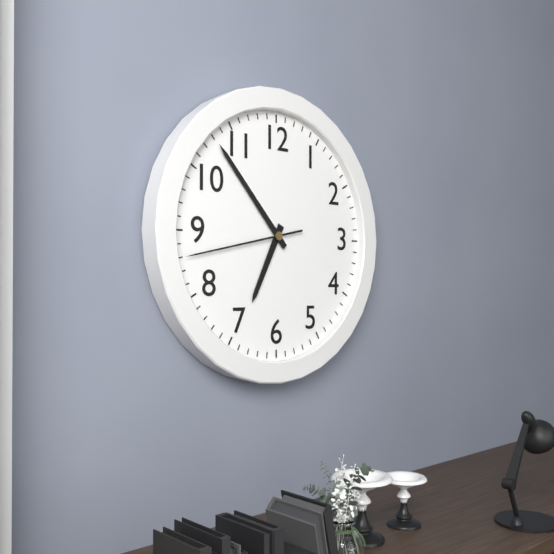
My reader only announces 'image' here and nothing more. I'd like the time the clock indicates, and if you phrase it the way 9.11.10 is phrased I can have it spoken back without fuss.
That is 6.53.43
